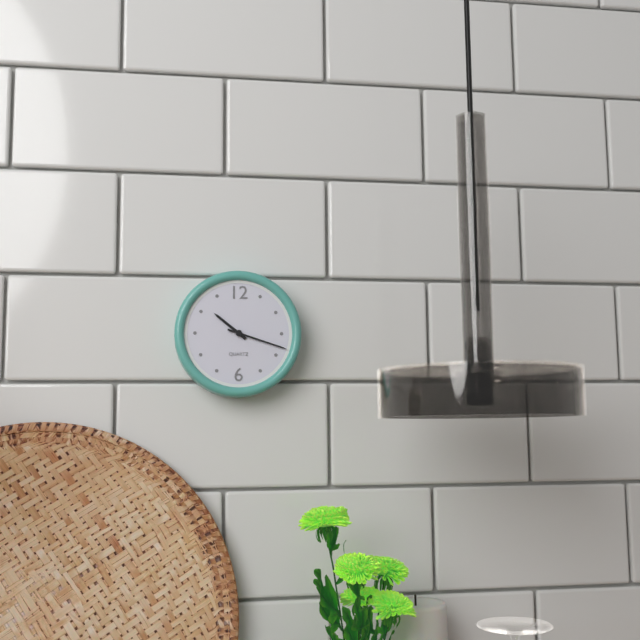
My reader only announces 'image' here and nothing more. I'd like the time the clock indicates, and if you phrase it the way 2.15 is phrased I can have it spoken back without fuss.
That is 10.18
